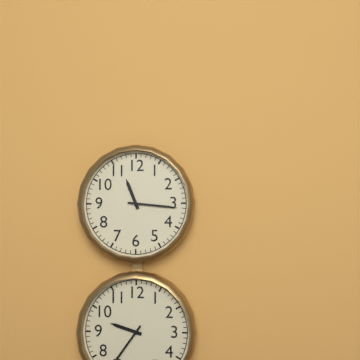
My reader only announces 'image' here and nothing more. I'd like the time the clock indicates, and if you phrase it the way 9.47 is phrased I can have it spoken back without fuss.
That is 11.16
